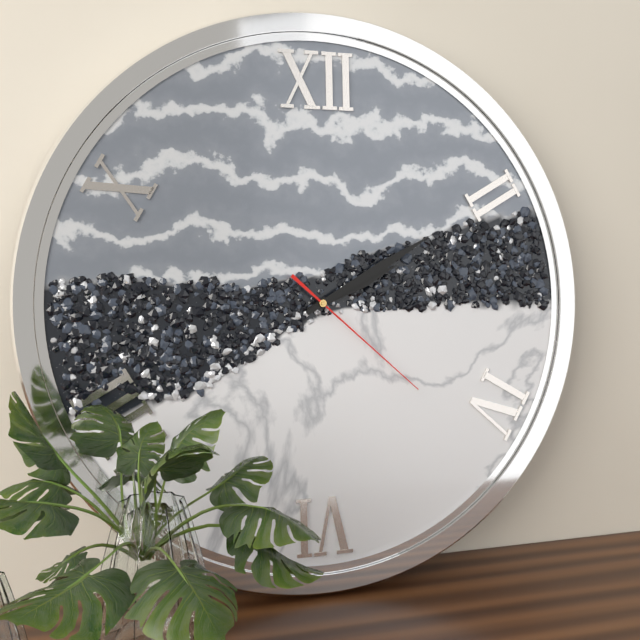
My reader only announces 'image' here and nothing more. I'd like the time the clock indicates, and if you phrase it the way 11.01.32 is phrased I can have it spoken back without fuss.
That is 2.10.22
